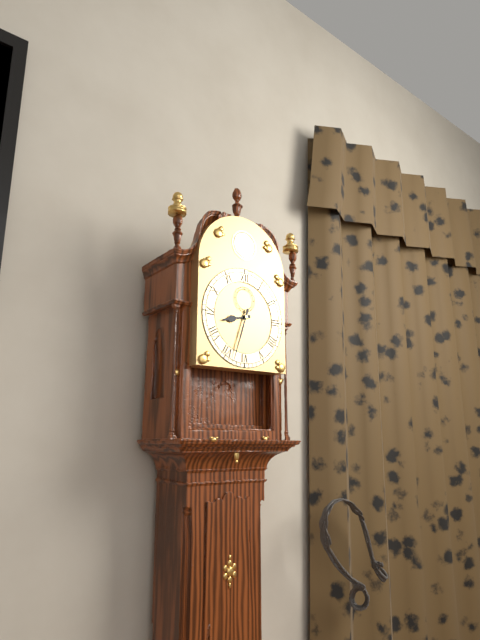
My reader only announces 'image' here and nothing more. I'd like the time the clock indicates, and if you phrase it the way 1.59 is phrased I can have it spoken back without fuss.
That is 8.33
